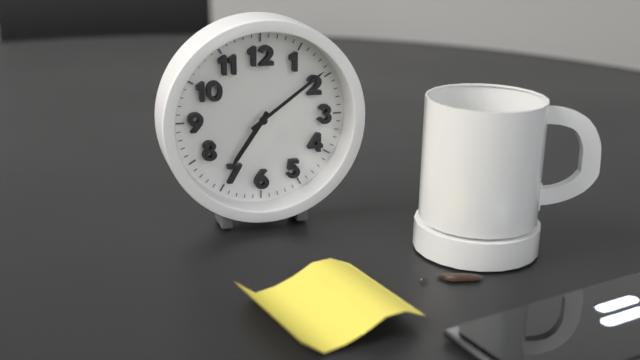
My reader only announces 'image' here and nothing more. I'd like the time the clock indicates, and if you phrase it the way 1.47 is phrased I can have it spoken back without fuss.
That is 7.09
